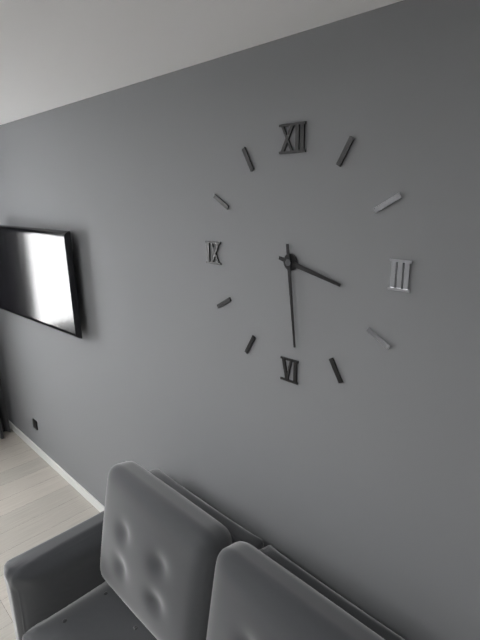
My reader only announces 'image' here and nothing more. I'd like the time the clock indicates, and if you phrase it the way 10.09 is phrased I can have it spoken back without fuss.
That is 3.29
